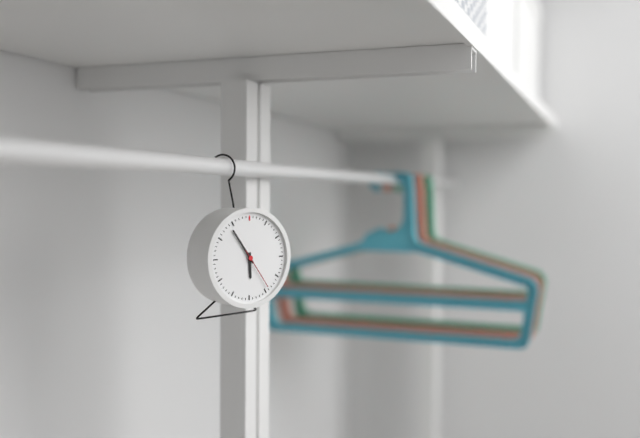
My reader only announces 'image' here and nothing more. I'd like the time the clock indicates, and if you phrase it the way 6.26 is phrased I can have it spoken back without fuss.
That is 5.54
